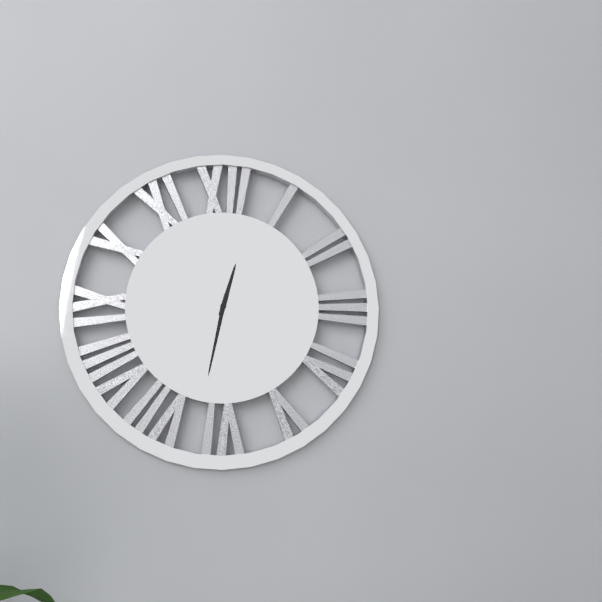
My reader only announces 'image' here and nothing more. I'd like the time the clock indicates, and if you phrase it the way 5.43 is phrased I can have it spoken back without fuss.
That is 12.32
